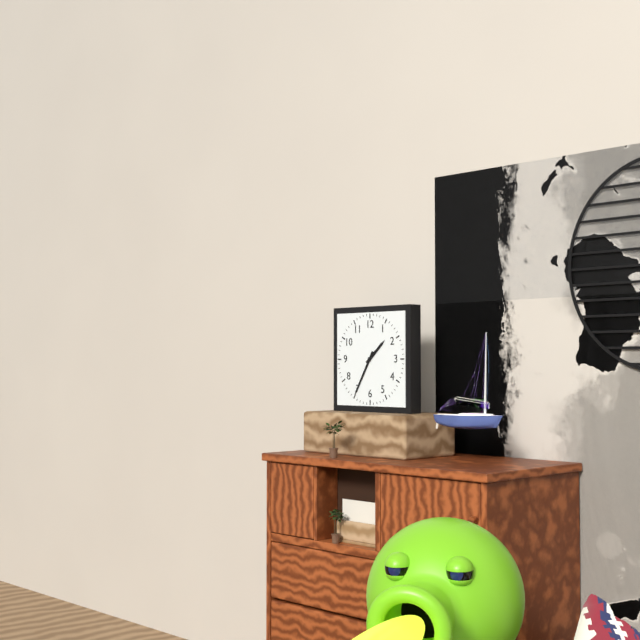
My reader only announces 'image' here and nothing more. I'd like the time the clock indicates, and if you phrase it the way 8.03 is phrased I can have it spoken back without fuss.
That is 1.35
